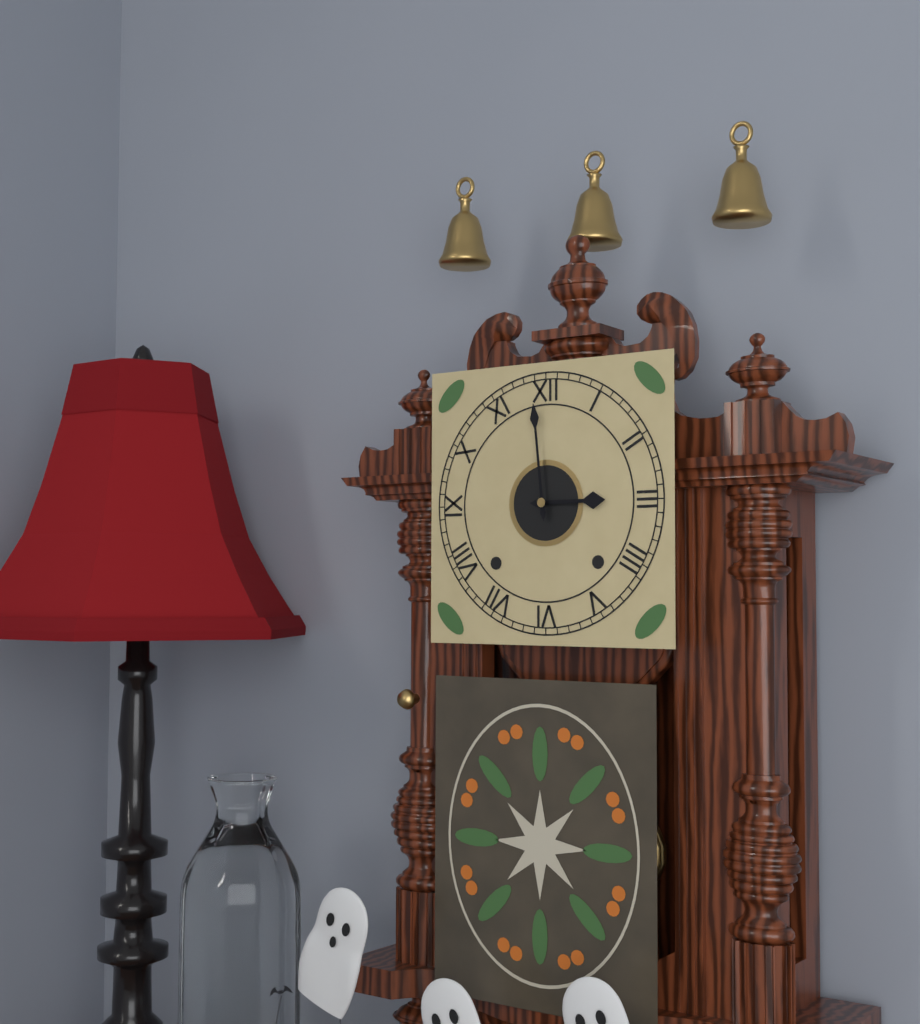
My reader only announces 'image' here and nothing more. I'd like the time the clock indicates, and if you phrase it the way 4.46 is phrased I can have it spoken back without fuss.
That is 2.59
